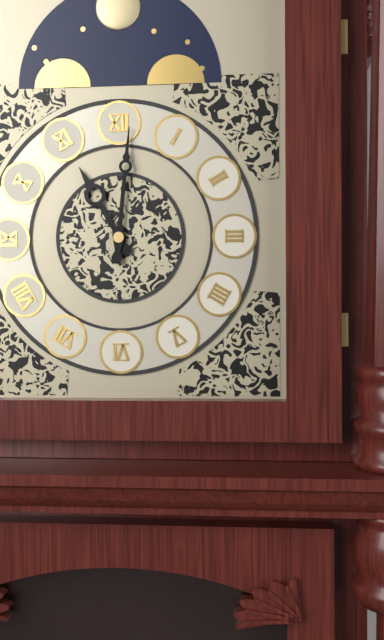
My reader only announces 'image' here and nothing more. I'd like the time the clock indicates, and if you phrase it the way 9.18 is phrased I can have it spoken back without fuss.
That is 11.01
